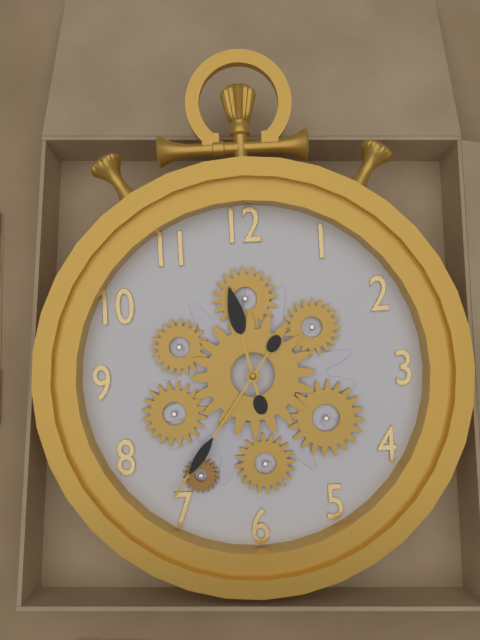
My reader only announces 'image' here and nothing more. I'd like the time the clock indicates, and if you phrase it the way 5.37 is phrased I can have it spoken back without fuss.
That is 11.36
